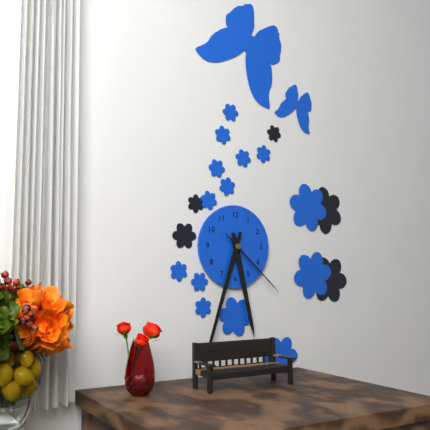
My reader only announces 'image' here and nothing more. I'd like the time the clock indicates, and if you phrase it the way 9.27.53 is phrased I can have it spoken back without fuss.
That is 5.33.22
